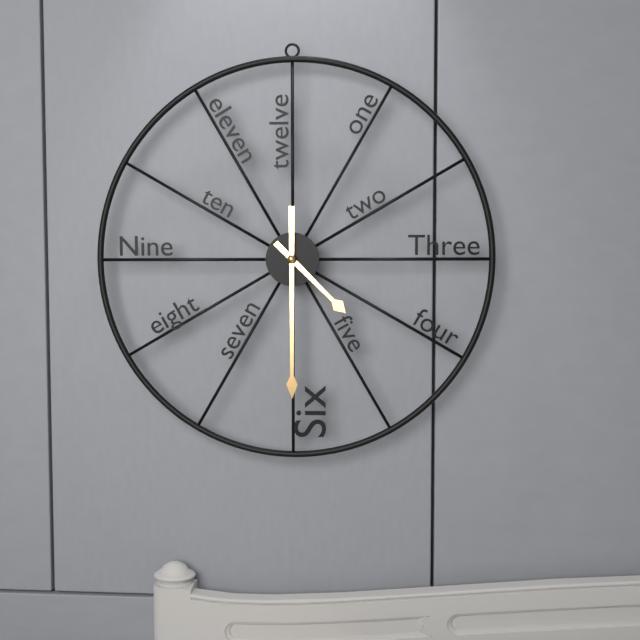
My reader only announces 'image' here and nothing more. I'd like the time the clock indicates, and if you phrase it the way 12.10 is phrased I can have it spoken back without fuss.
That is 4.30
